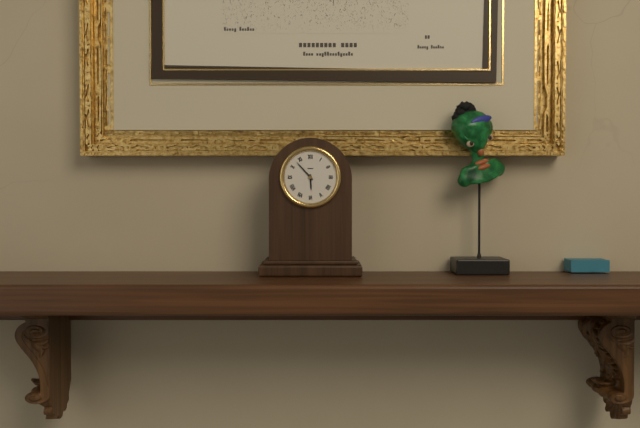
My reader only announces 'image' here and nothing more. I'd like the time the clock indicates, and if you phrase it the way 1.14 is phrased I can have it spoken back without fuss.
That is 5.53
